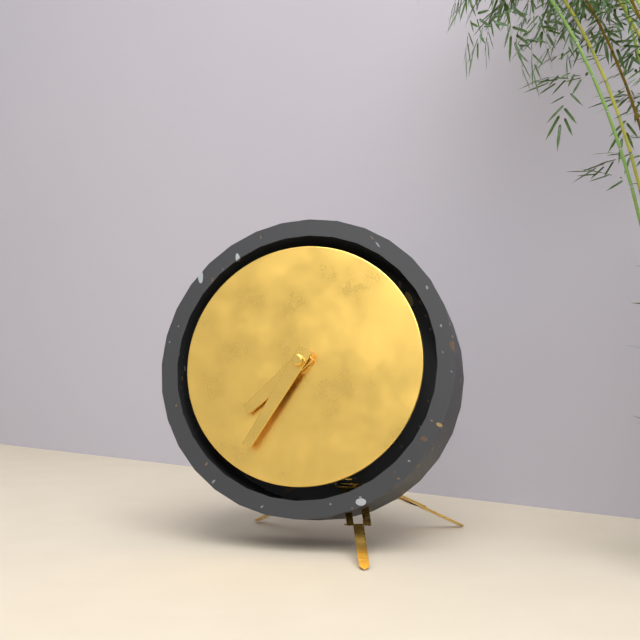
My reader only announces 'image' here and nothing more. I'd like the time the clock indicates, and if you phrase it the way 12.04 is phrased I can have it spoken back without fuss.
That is 7.35
